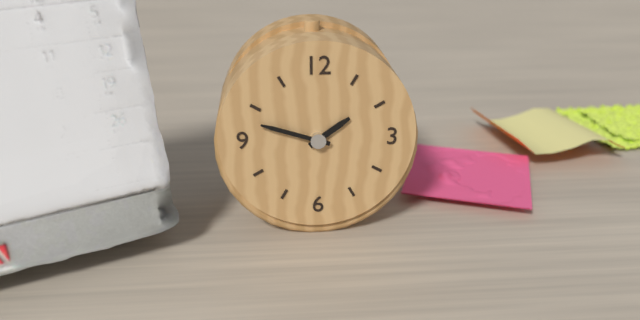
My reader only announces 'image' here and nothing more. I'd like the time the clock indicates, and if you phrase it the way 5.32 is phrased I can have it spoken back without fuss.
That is 1.48
